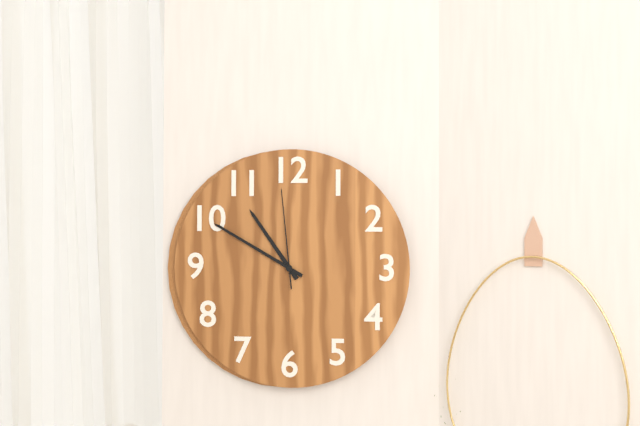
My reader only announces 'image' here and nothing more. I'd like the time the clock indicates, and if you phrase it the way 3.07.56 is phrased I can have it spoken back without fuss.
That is 10.50.59
